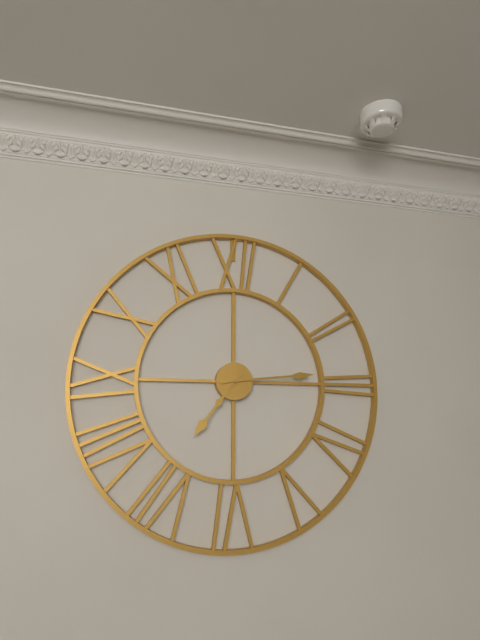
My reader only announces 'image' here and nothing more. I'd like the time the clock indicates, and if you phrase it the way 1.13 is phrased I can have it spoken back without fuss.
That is 7.14
